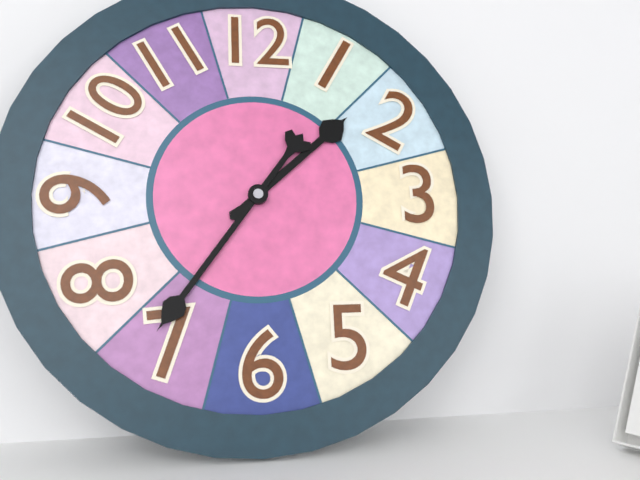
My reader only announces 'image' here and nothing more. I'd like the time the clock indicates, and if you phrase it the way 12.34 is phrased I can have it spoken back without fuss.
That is 1.36
